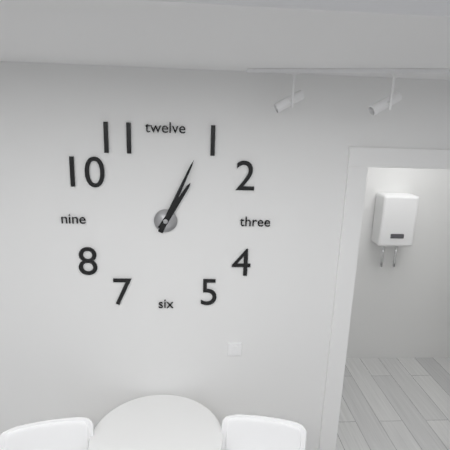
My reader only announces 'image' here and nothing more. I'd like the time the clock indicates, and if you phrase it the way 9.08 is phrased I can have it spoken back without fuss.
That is 1.04
